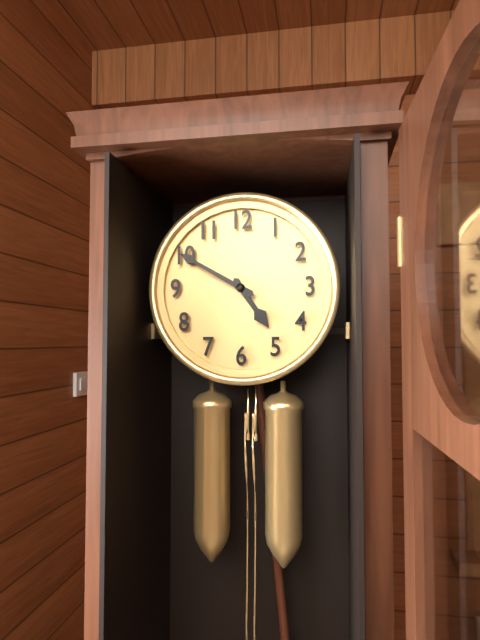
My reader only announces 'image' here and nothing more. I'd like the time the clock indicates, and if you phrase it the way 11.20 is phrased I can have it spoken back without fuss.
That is 4.50
